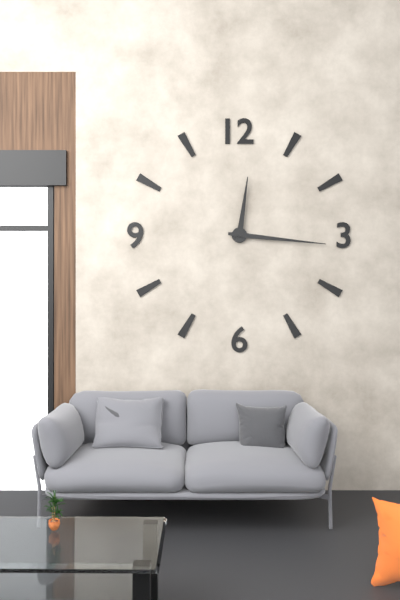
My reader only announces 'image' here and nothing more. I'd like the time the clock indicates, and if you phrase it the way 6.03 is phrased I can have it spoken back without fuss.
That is 12.16
